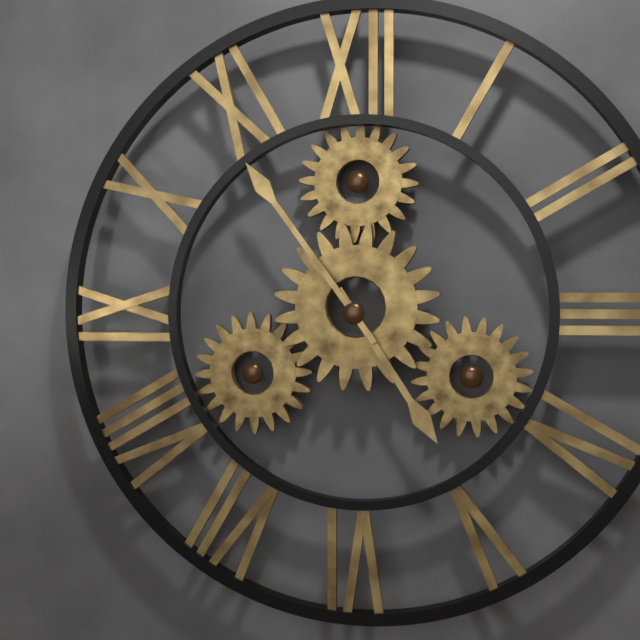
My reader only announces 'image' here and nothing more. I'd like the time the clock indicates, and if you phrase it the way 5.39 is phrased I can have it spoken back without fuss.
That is 4.54
